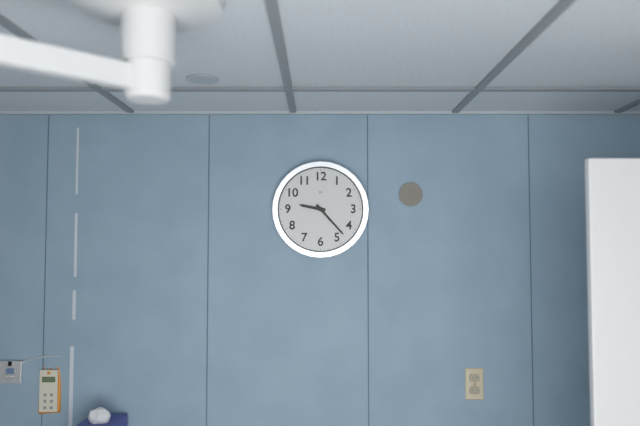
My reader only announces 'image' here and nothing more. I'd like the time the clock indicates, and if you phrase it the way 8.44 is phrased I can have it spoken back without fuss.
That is 9.23
